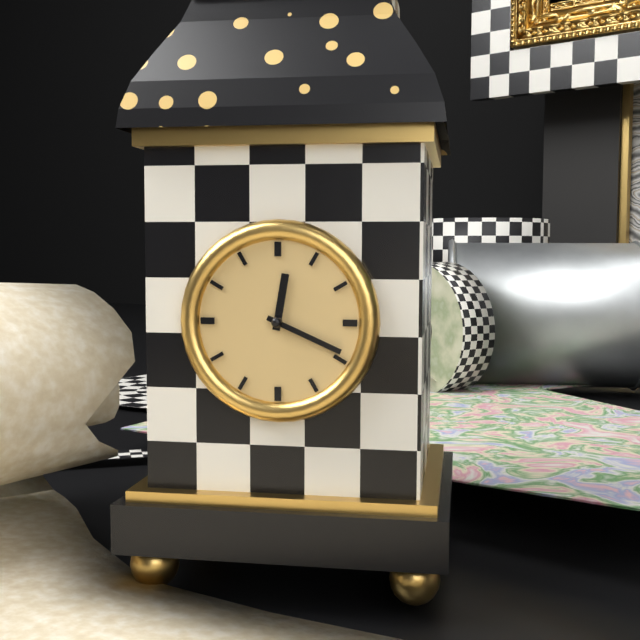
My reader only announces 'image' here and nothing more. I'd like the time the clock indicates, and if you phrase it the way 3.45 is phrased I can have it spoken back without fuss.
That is 12.19
